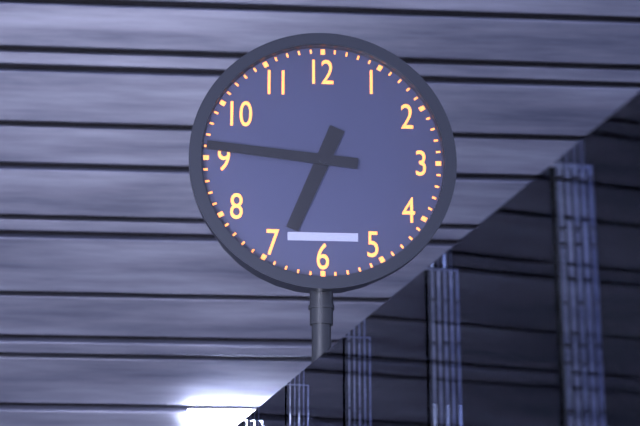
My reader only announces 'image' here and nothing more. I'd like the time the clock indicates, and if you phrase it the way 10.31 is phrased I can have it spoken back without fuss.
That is 6.46
